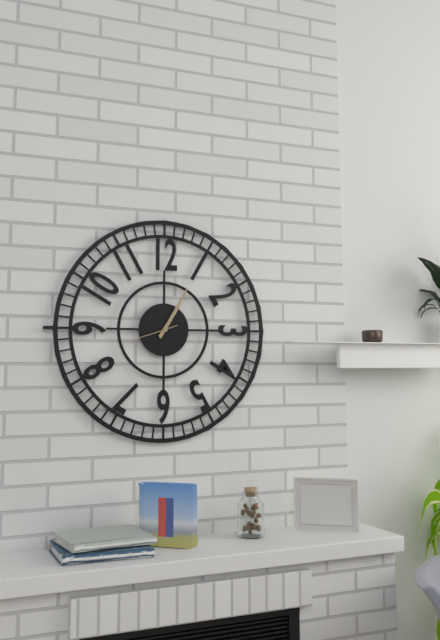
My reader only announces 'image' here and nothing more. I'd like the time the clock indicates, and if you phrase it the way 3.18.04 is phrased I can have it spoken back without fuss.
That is 1.05.42
